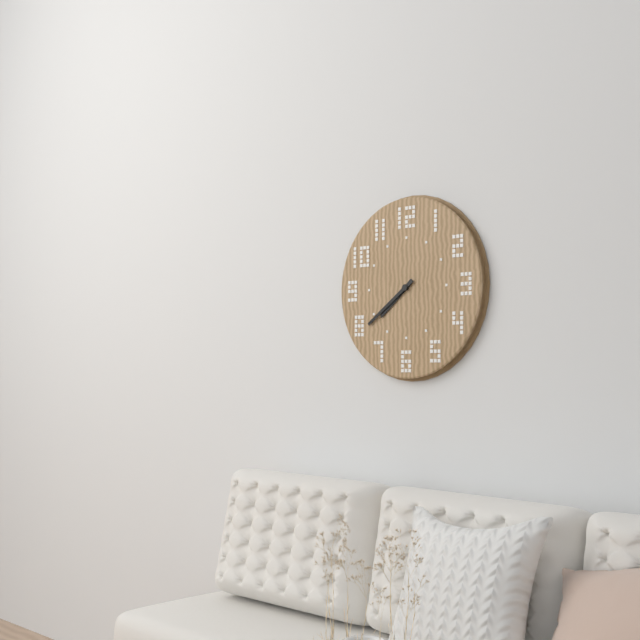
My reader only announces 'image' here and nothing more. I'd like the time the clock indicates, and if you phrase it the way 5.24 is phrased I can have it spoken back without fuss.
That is 7.39
